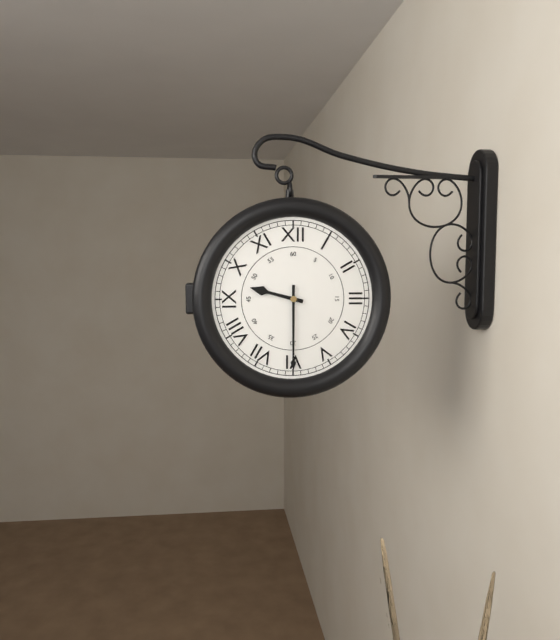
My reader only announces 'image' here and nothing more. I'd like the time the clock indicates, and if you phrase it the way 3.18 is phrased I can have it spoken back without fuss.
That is 9.30
